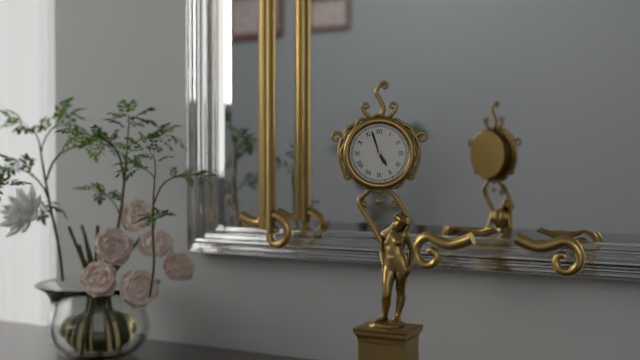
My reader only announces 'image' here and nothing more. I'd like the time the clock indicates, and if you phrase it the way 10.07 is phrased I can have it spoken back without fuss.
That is 4.57
